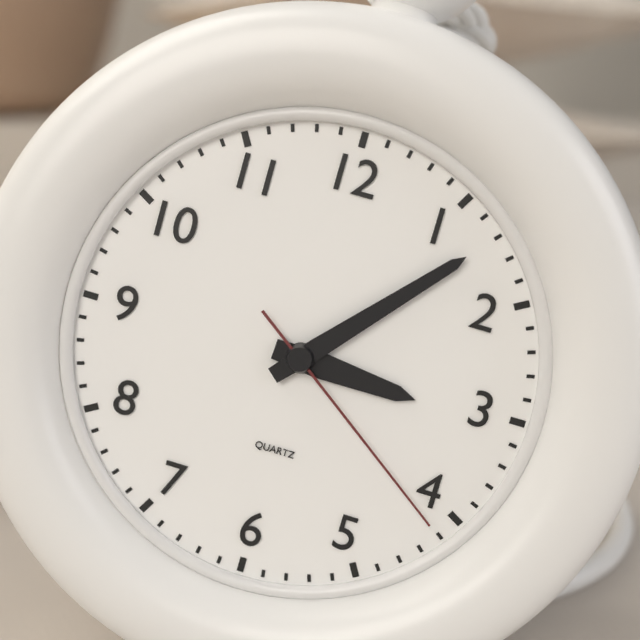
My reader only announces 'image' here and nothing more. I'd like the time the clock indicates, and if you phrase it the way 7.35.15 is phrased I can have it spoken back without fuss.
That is 3.07.21
